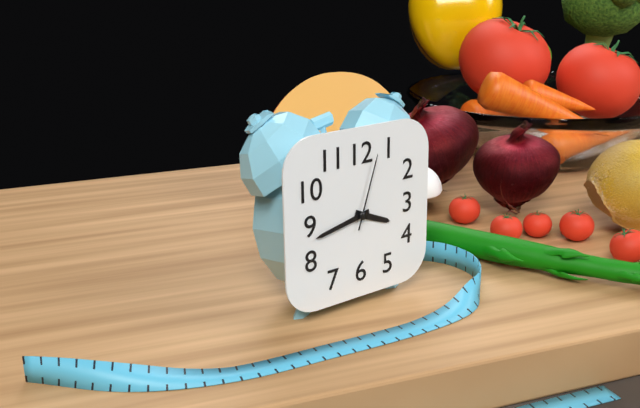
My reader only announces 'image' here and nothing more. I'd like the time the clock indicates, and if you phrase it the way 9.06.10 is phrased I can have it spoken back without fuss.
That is 3.43.03
